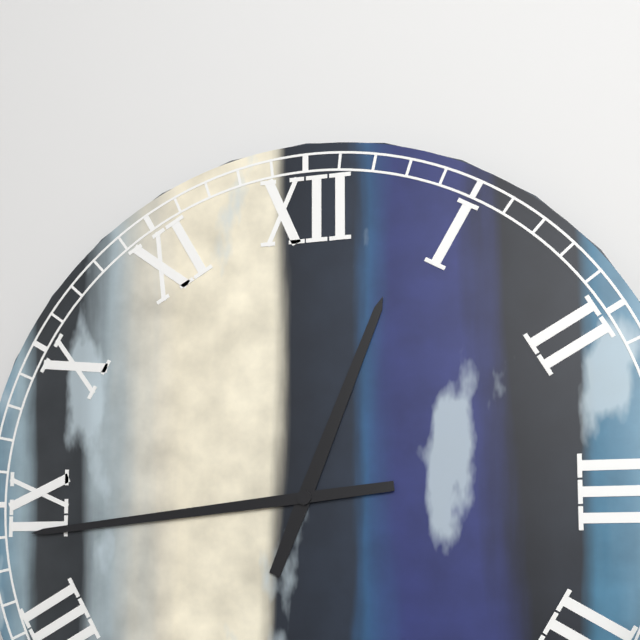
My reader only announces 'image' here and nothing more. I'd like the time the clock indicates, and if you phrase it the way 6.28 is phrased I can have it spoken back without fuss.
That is 12.44
